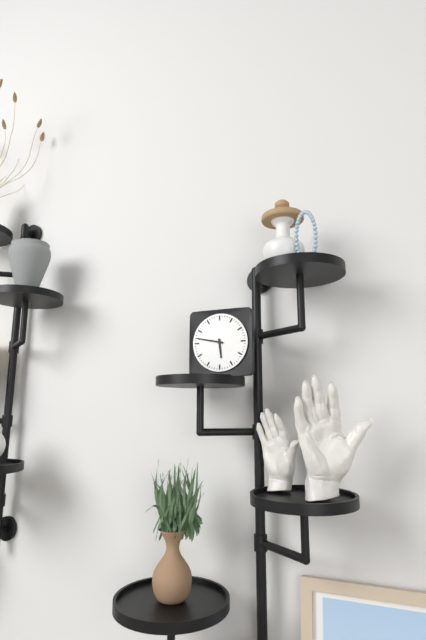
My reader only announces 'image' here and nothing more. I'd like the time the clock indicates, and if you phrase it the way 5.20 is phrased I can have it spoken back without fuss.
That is 5.47
